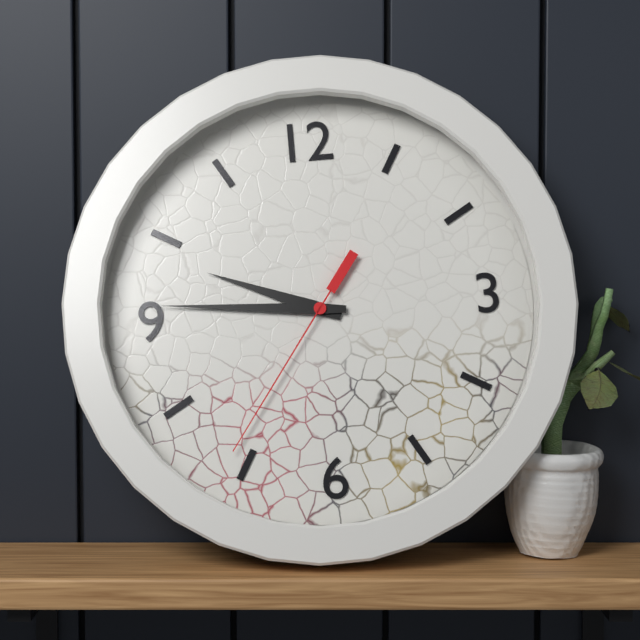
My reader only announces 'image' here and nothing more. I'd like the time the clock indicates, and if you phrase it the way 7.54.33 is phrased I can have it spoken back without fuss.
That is 9.46.36
